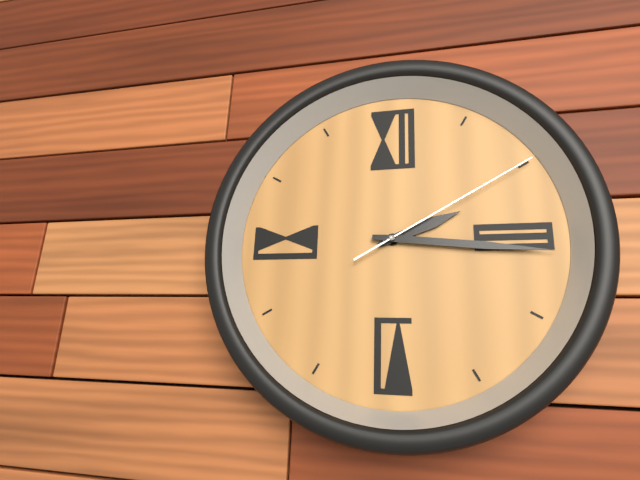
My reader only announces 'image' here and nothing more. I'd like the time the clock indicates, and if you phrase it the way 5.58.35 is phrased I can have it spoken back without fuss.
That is 2.16.10
